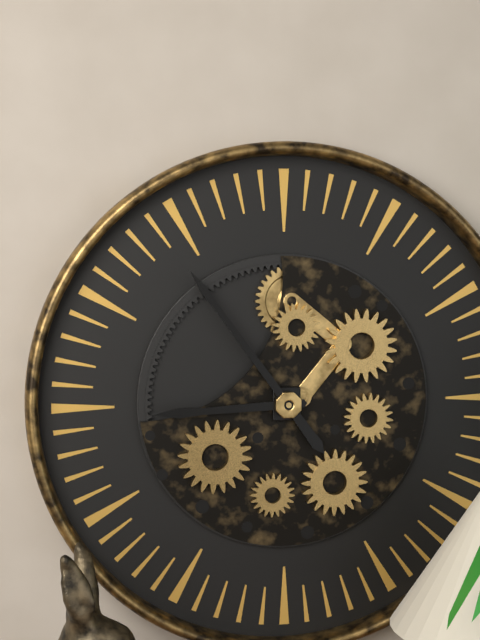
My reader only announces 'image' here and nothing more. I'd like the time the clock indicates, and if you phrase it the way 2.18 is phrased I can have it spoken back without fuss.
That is 8.54
